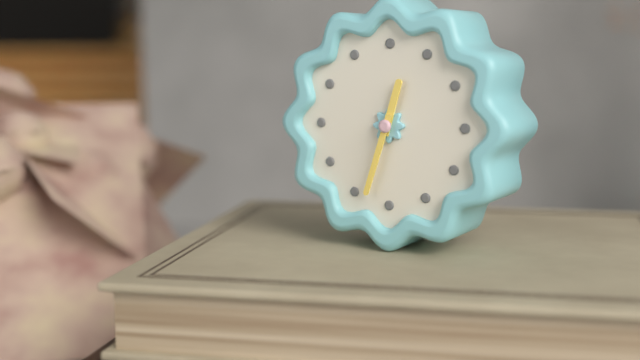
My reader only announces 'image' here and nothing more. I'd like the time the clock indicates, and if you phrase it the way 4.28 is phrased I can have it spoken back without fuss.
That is 12.33
